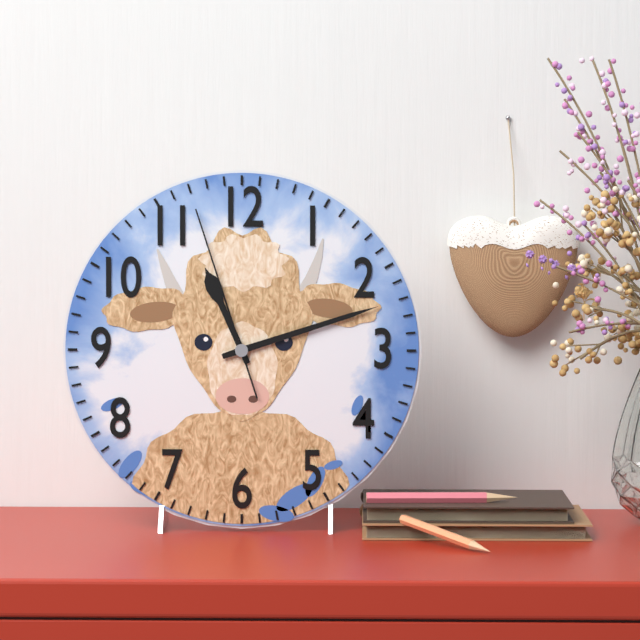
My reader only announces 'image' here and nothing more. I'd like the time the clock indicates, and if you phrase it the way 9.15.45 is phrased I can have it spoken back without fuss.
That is 11.12.57
